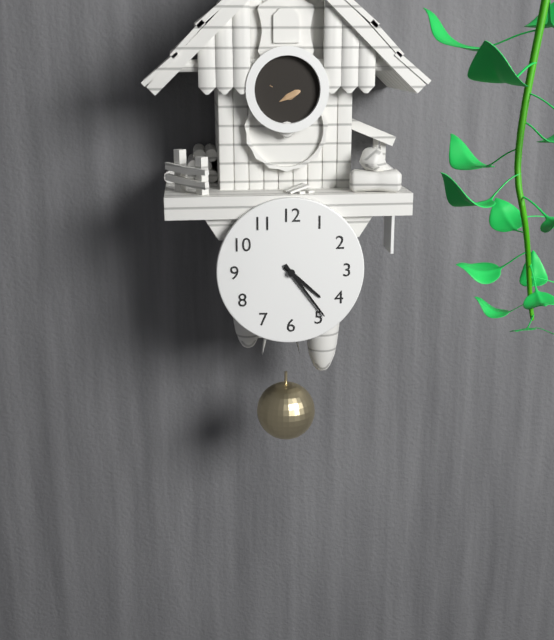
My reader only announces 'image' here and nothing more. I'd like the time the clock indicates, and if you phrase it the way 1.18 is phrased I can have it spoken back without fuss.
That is 4.24
